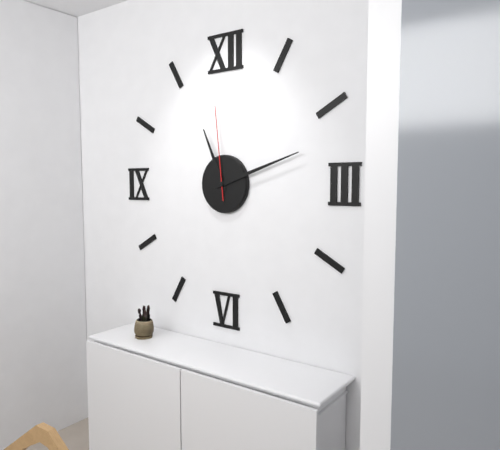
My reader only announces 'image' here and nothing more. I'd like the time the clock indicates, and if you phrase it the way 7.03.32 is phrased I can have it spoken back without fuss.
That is 11.12.59
